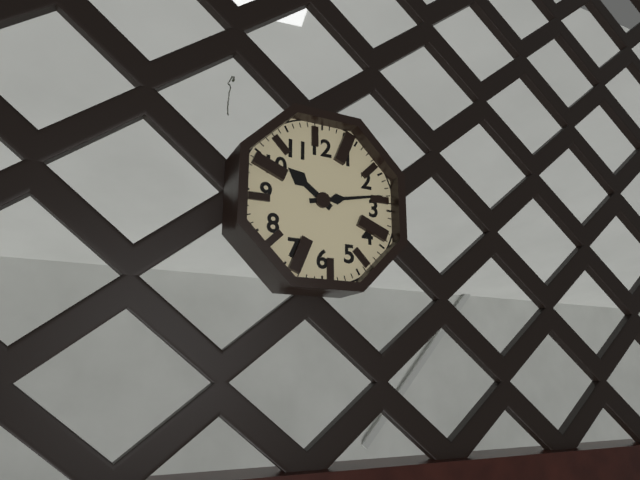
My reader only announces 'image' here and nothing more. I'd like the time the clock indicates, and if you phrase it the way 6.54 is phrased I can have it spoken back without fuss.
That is 10.13
